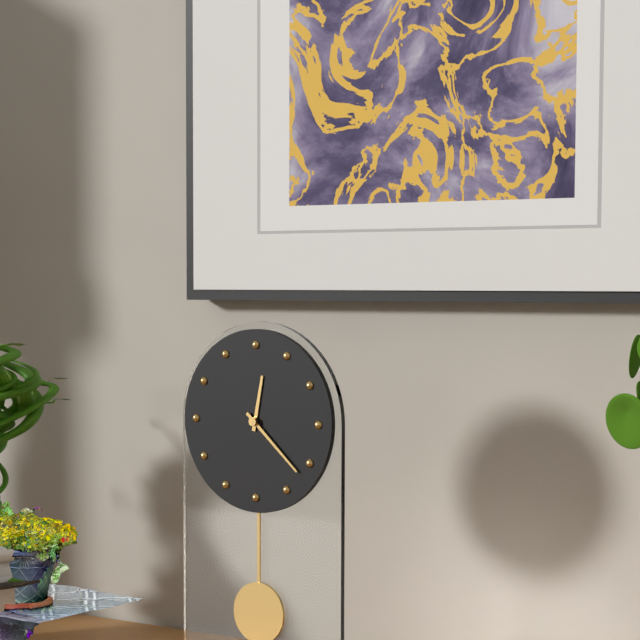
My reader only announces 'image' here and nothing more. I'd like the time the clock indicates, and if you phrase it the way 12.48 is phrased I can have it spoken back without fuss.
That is 12.22
